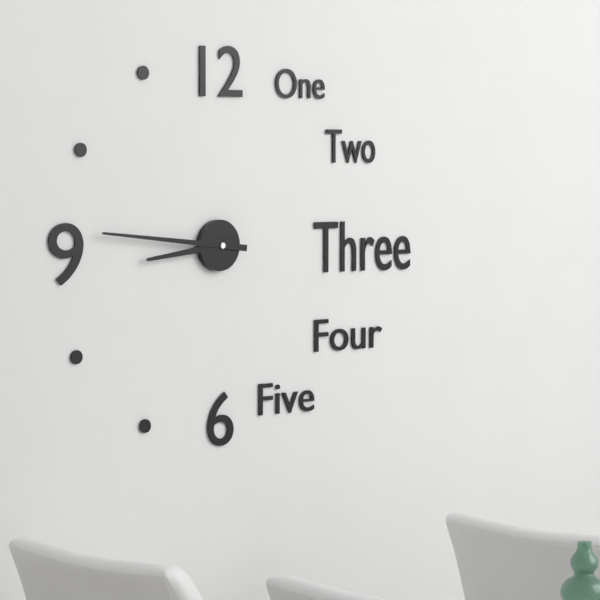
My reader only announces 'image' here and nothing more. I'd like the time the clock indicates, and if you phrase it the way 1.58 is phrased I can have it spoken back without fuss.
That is 8.46
